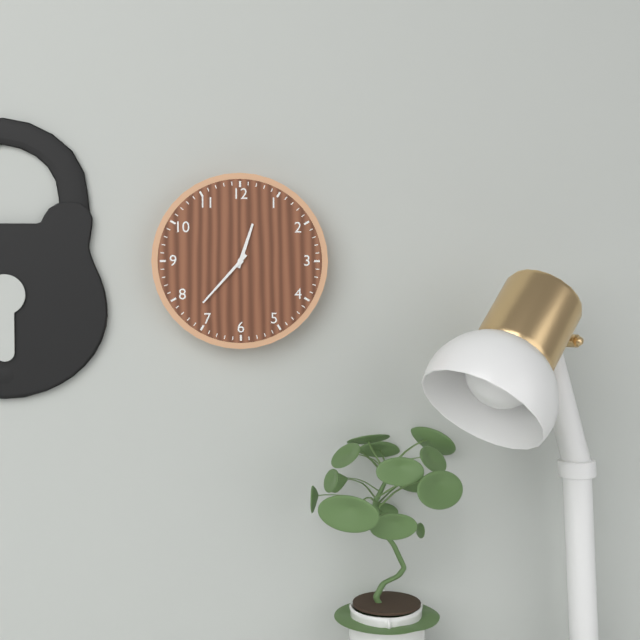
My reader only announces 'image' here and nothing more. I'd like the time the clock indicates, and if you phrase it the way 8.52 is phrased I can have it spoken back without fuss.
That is 12.37
